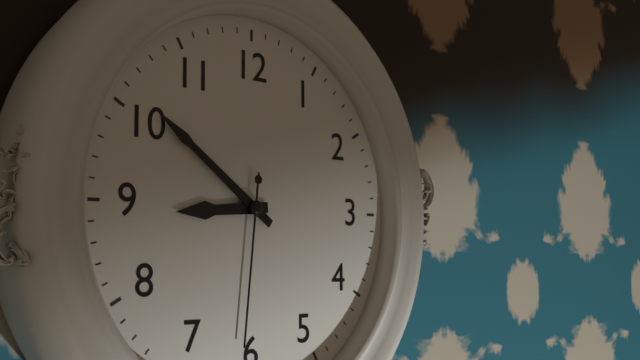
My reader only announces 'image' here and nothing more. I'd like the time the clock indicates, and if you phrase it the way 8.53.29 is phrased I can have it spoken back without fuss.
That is 8.51.31
